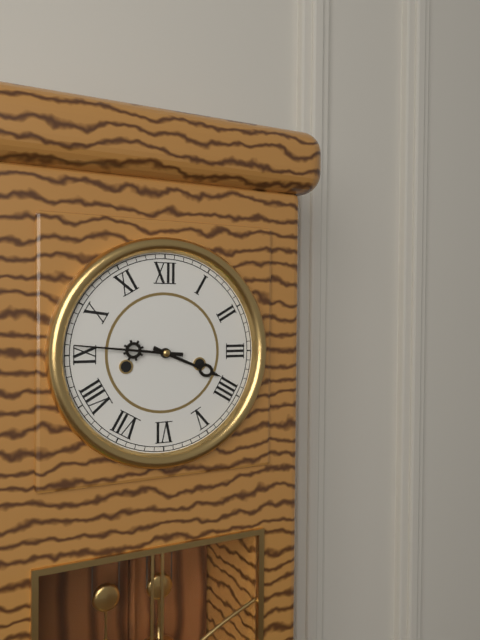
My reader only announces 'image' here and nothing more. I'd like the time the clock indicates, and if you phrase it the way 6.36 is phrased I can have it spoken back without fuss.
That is 3.46
